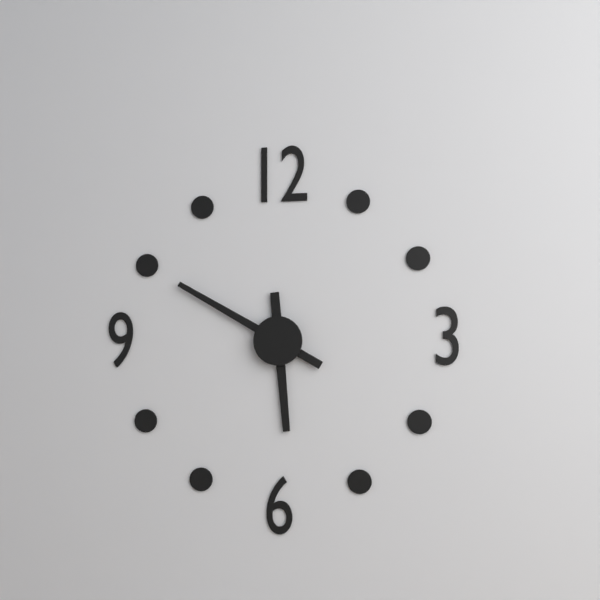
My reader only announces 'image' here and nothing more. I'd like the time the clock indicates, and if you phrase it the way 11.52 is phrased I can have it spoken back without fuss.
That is 5.50
